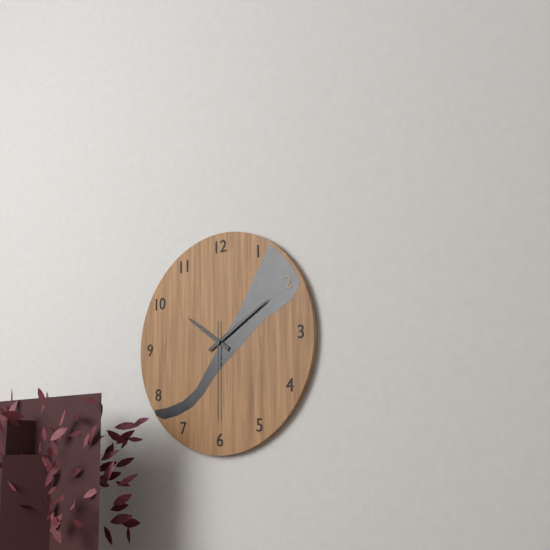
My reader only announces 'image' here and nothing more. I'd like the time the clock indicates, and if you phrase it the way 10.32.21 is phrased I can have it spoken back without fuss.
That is 10.10.30
